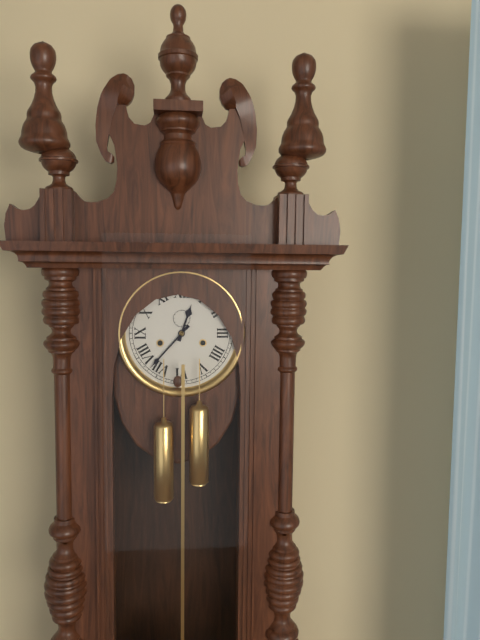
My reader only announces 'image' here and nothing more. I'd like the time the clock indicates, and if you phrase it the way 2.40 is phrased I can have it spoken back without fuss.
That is 12.37
